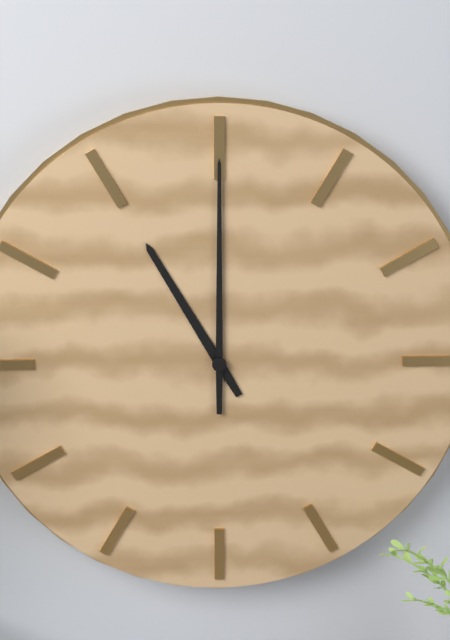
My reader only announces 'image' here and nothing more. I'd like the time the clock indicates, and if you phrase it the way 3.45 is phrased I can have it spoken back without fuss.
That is 11.00
